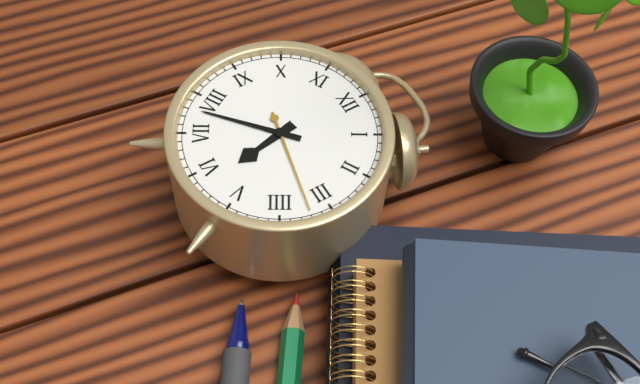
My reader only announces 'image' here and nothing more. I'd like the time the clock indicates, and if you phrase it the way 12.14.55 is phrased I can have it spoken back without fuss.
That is 5.38.17
